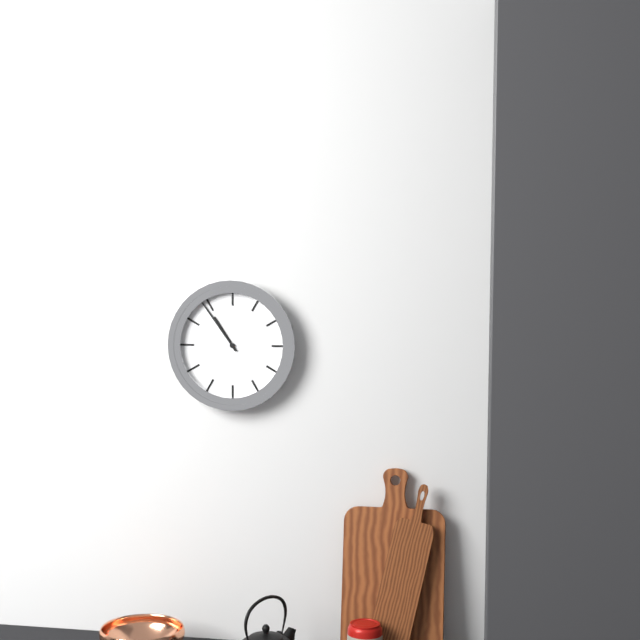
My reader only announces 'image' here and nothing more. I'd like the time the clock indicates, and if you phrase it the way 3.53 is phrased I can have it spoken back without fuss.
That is 10.54
